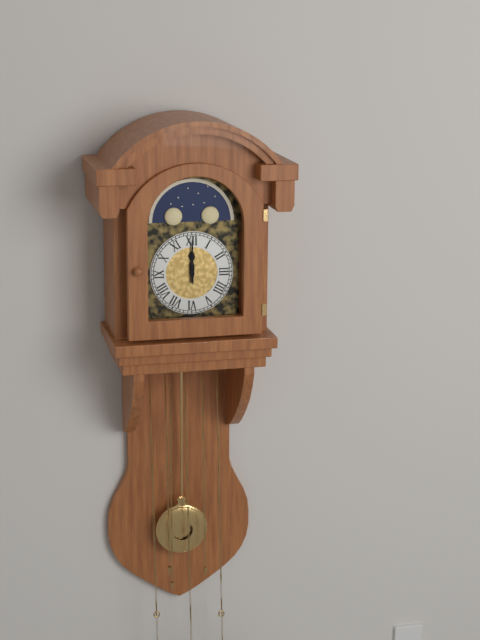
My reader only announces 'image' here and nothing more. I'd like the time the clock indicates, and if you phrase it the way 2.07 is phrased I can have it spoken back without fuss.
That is 12.00
